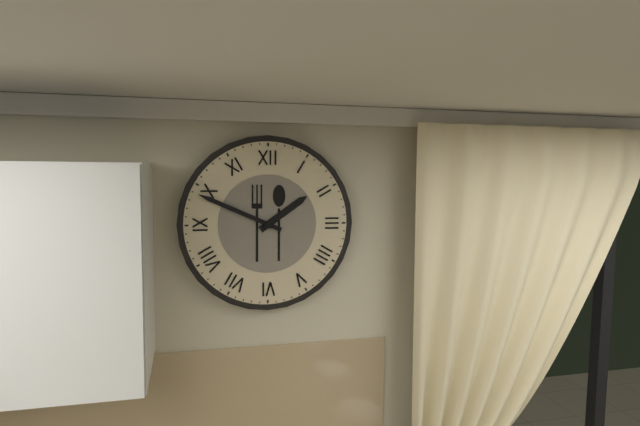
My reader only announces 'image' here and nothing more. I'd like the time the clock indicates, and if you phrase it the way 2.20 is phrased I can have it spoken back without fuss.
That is 1.49
